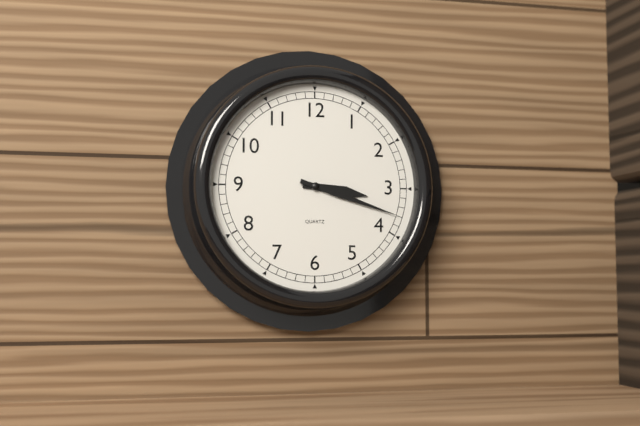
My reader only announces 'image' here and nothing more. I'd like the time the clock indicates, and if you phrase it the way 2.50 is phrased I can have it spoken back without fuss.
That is 3.18
